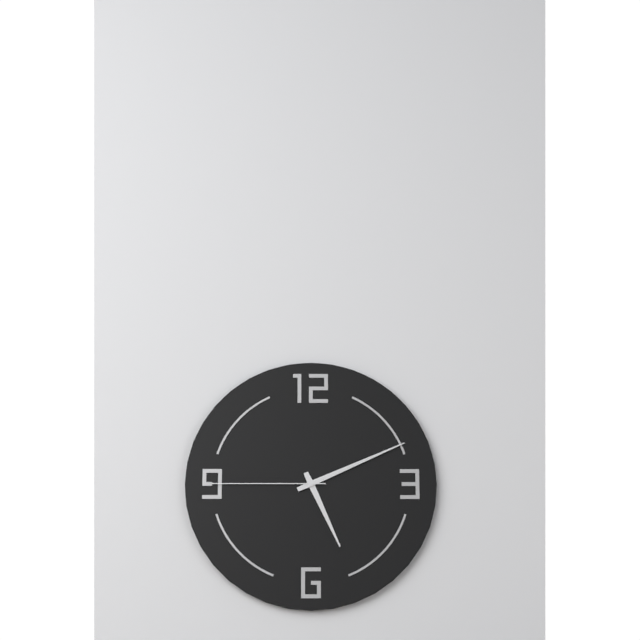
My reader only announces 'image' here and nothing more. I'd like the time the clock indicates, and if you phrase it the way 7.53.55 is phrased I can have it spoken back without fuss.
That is 5.11.45
